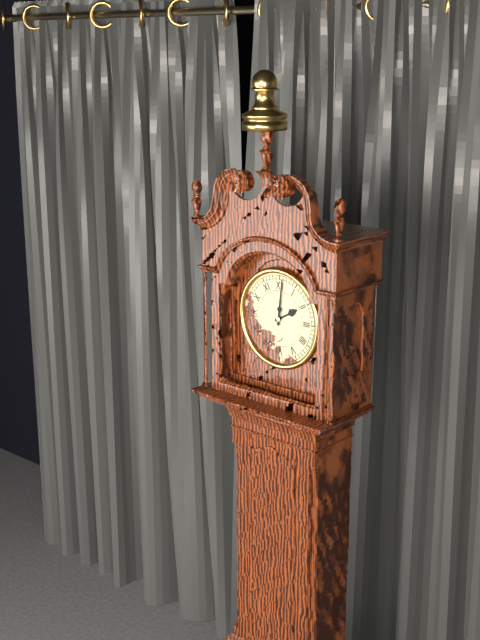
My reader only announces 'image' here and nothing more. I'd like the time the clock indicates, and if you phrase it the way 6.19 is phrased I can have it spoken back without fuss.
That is 2.01
